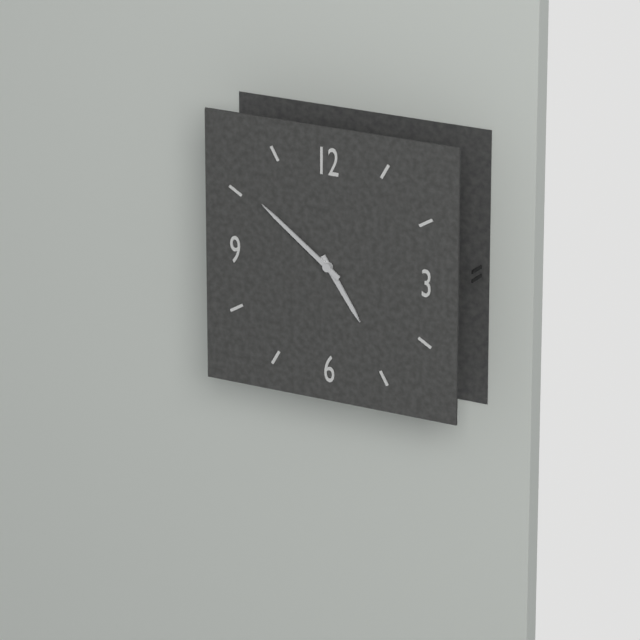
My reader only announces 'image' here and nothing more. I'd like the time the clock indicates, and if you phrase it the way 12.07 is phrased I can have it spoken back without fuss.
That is 4.51
